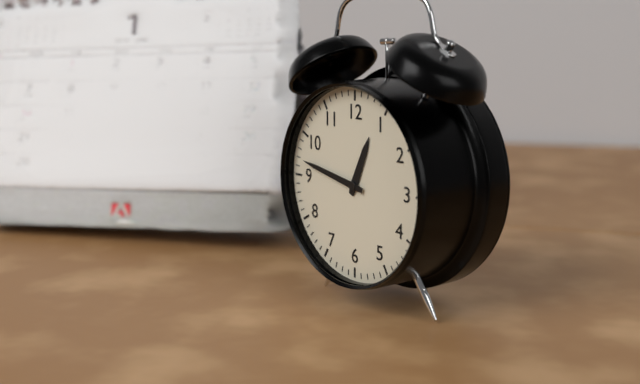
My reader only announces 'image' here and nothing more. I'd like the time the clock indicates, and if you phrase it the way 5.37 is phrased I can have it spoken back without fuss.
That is 12.47
